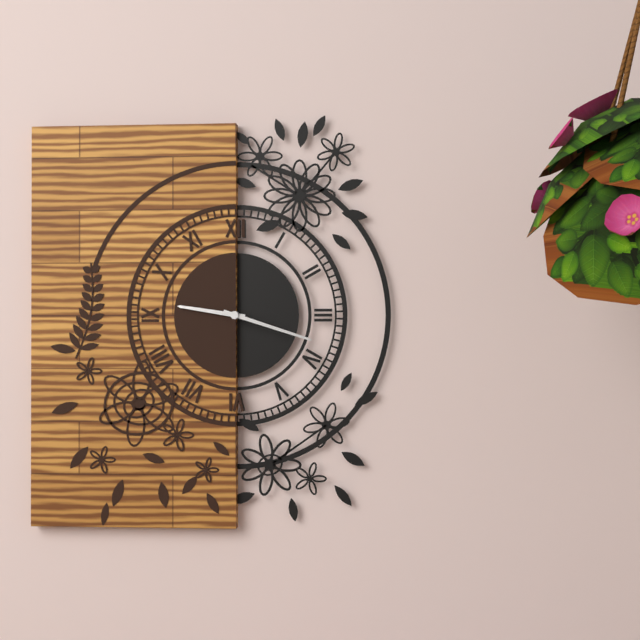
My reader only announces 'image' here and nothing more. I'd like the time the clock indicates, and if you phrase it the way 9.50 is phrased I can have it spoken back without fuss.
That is 9.18
